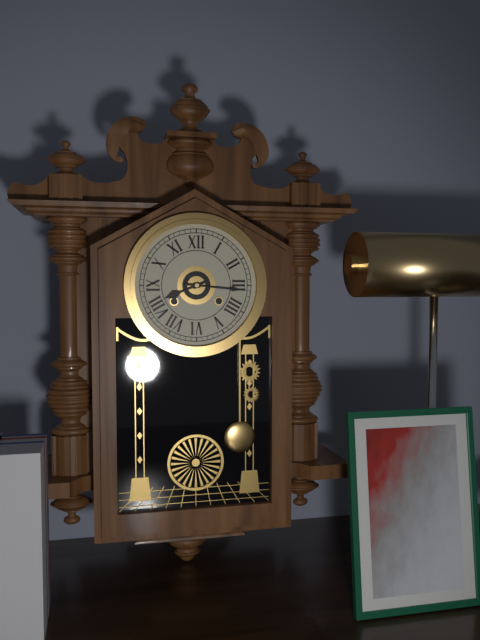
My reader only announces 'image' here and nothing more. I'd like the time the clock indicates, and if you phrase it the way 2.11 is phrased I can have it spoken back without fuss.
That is 8.16
